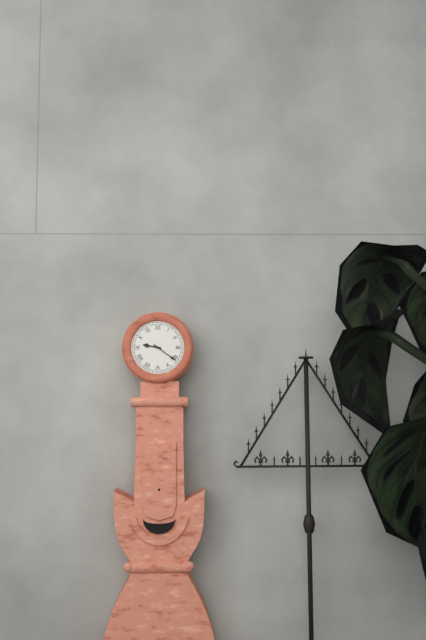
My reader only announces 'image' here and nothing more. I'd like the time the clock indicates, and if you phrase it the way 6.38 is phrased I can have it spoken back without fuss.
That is 9.21
